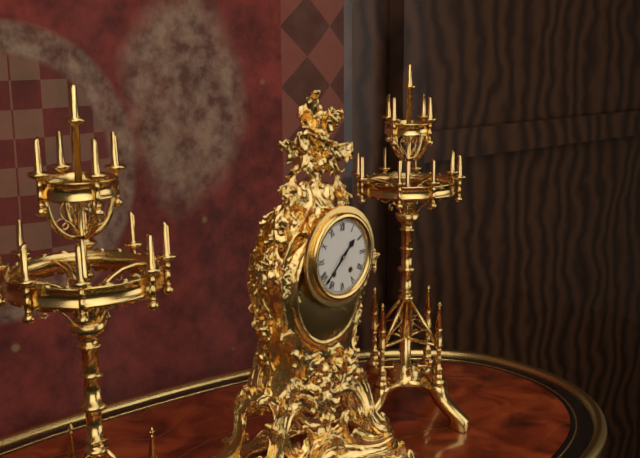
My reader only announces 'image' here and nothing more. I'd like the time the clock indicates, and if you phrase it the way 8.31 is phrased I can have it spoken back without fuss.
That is 1.38
